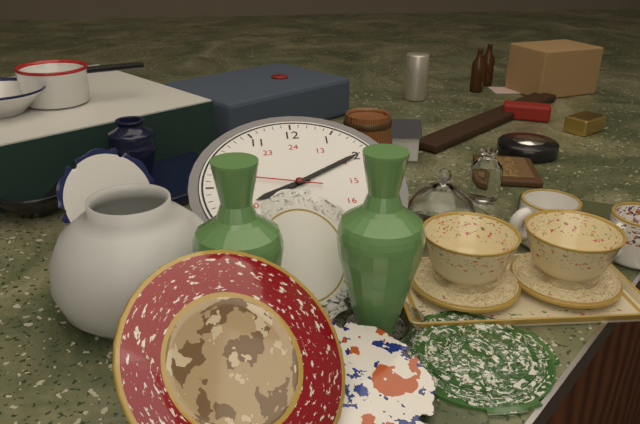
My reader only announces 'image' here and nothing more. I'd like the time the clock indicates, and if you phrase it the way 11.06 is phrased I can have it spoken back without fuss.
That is 8.10
